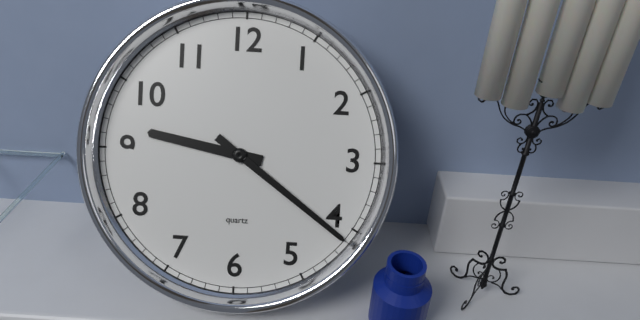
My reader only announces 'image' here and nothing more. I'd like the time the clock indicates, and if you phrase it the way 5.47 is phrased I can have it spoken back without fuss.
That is 9.21
